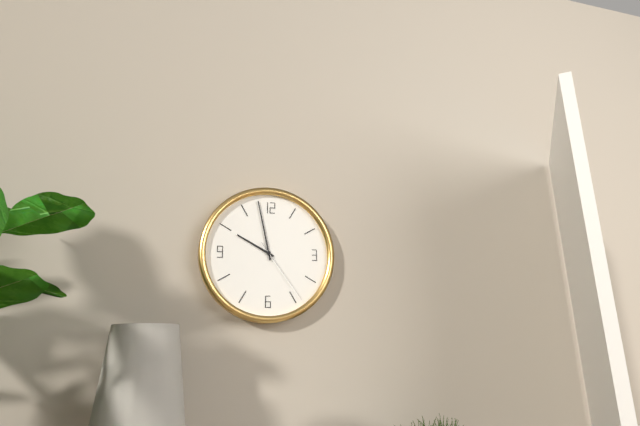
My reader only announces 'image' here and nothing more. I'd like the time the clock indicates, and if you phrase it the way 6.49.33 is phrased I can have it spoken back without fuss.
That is 9.58.24
